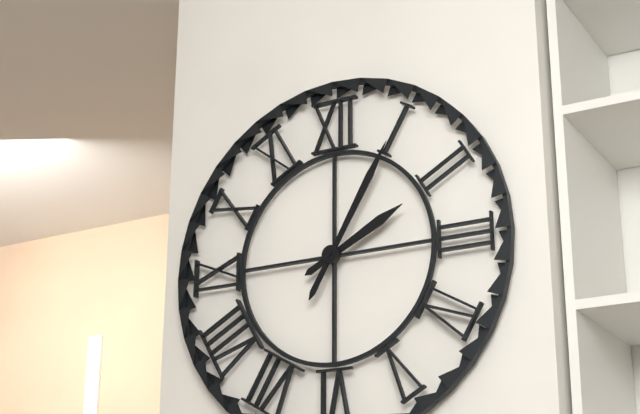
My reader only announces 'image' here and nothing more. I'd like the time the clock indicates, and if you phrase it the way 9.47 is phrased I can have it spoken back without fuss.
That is 2.05
